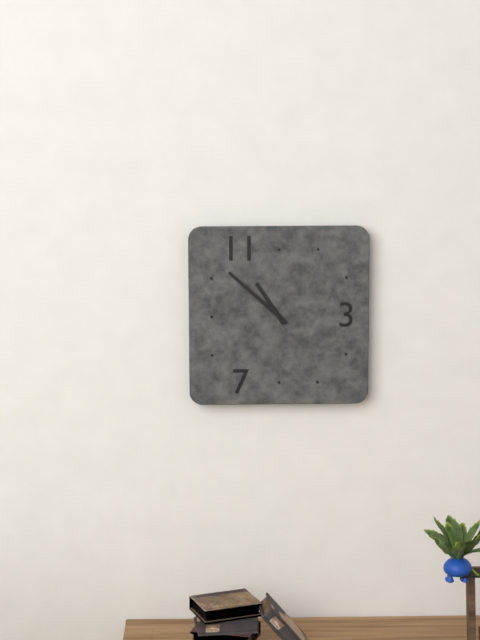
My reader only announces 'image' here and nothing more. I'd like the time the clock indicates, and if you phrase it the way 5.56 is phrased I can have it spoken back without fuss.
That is 10.52
